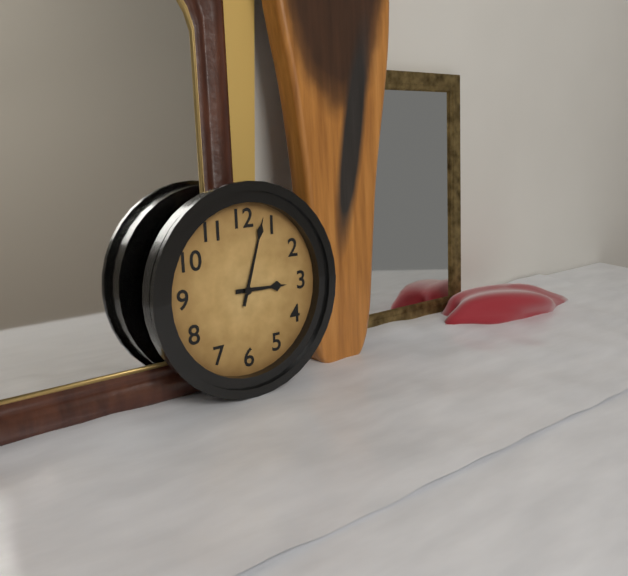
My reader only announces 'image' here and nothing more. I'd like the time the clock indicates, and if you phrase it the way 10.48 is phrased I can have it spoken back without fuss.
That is 3.03
